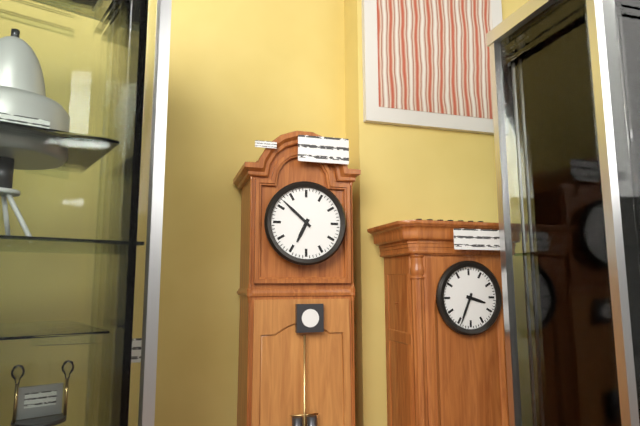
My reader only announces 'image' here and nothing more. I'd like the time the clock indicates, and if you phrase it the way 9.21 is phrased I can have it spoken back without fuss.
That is 6.52
